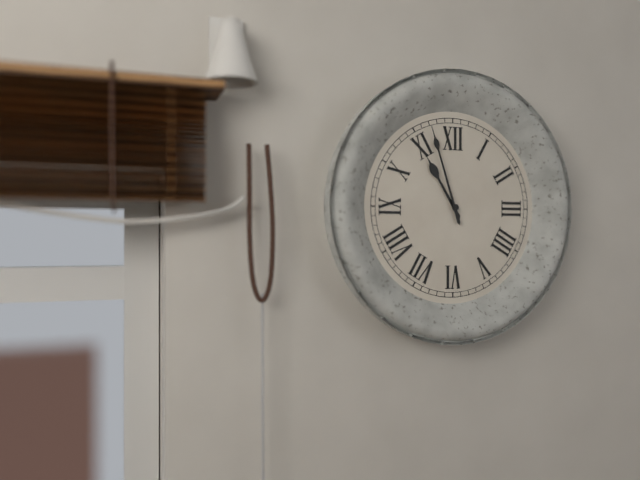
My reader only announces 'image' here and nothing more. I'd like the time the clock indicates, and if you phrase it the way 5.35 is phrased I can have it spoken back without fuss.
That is 10.57
